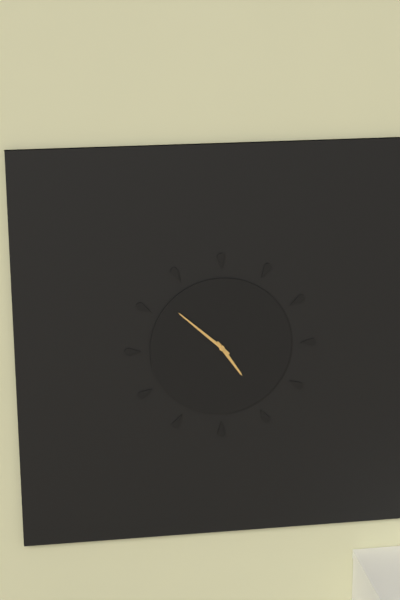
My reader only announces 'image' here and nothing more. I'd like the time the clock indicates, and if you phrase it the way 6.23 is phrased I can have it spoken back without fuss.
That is 4.52
